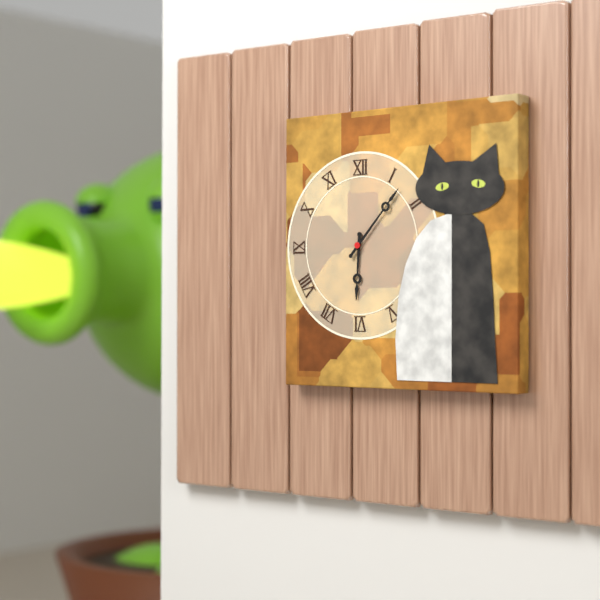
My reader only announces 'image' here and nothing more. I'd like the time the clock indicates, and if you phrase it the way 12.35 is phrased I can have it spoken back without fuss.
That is 6.07
